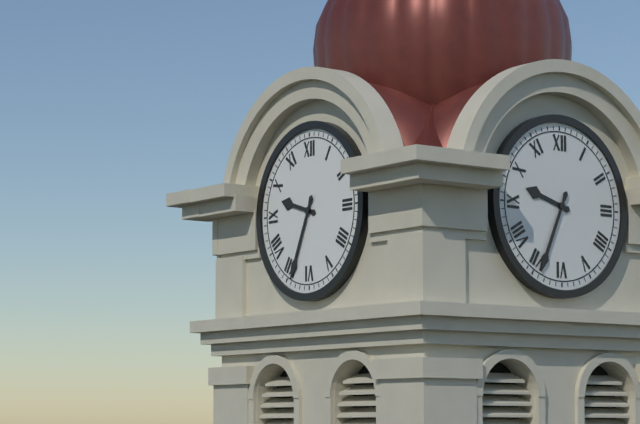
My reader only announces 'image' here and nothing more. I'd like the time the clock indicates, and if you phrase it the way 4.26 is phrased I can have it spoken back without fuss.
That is 9.34
